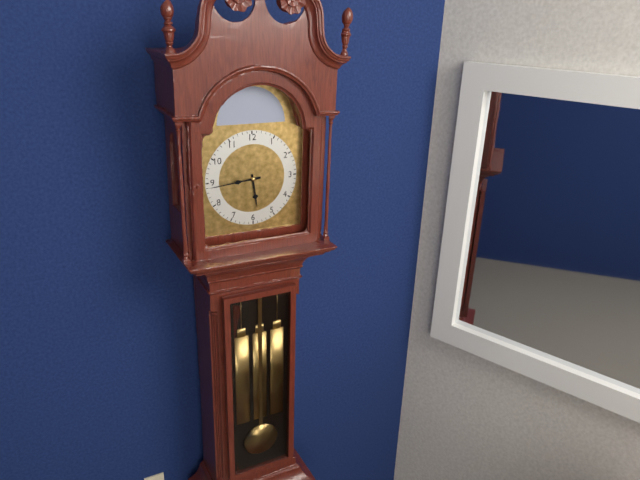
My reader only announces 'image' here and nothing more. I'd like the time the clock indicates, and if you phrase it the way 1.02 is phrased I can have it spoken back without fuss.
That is 5.44
